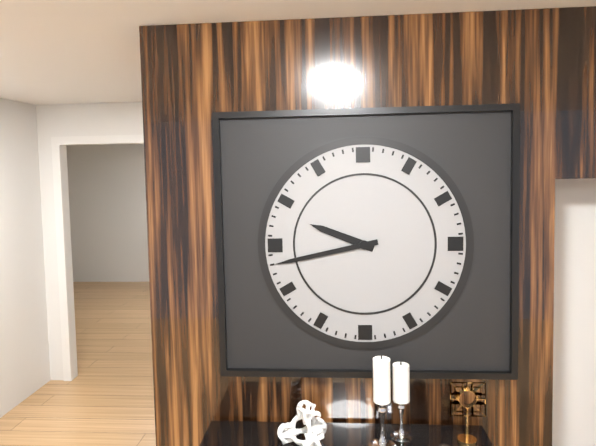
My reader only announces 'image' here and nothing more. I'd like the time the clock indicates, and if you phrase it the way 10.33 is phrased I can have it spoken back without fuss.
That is 9.43
